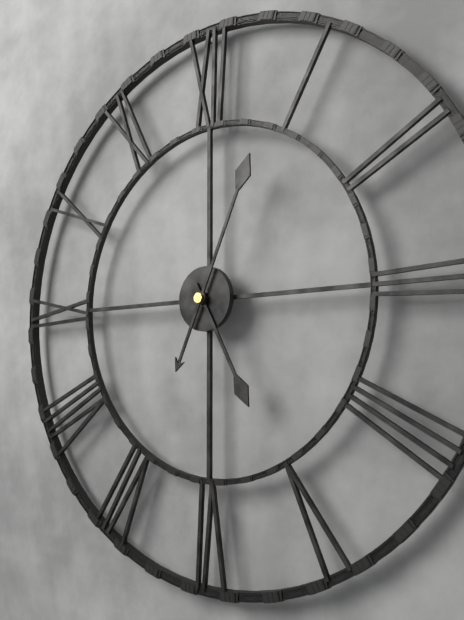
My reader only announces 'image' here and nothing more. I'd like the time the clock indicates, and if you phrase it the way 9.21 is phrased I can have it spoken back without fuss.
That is 5.04
